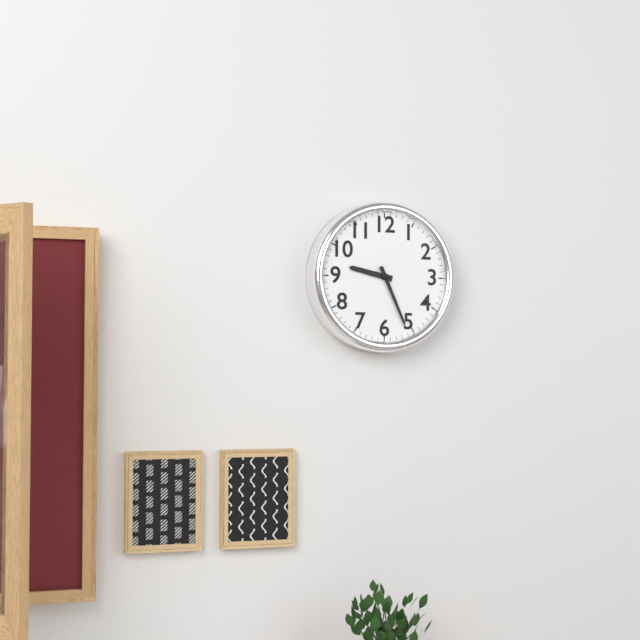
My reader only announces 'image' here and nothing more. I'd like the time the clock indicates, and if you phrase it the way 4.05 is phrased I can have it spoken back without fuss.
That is 9.26
